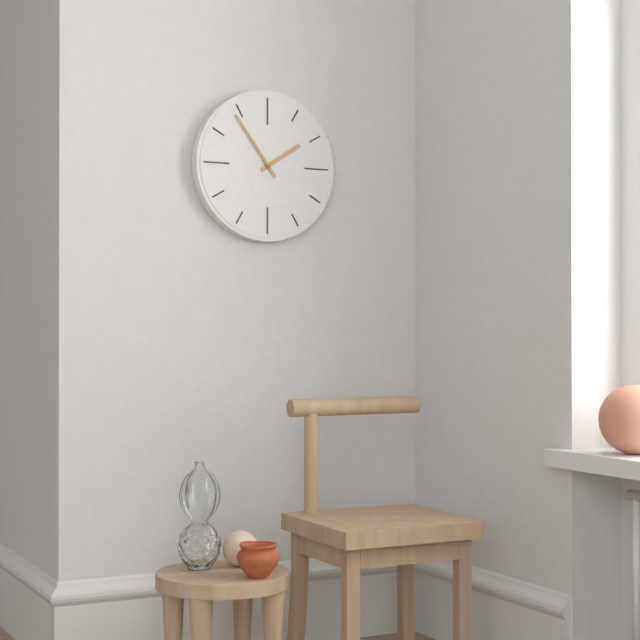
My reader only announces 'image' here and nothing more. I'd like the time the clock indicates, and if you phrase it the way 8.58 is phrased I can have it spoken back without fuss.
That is 1.54
